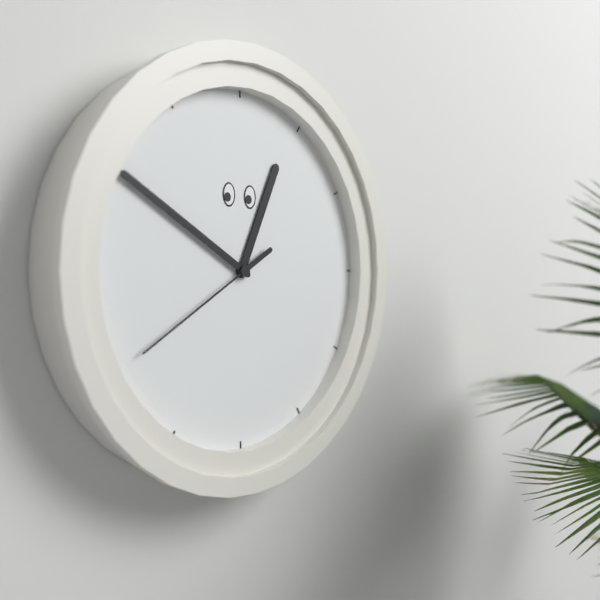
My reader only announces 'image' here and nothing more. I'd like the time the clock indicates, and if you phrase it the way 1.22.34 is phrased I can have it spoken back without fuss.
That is 12.50.40
